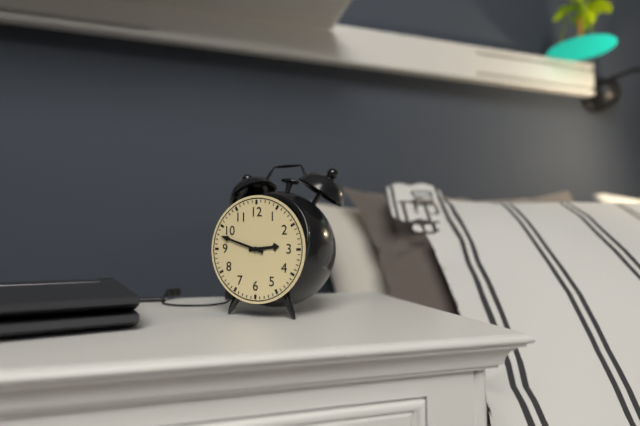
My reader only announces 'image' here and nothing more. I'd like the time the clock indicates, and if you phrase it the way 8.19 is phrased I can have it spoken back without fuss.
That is 2.48
